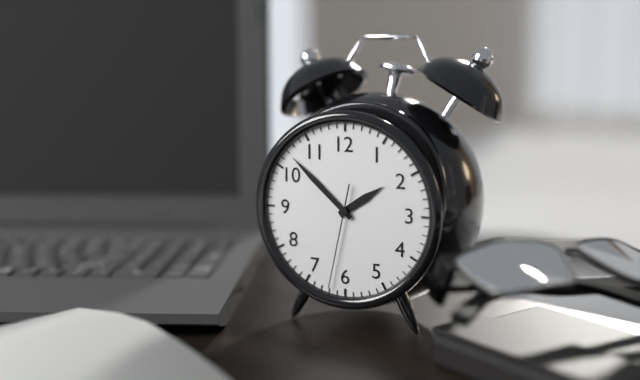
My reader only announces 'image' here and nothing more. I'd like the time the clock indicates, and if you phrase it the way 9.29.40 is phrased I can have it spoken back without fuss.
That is 1.52.32
